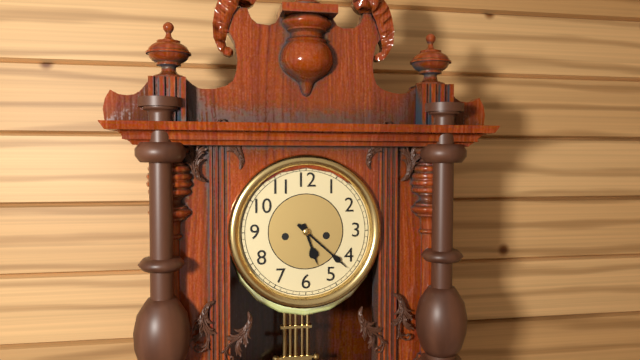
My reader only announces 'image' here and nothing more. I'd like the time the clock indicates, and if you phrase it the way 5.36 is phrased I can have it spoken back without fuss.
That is 5.22
